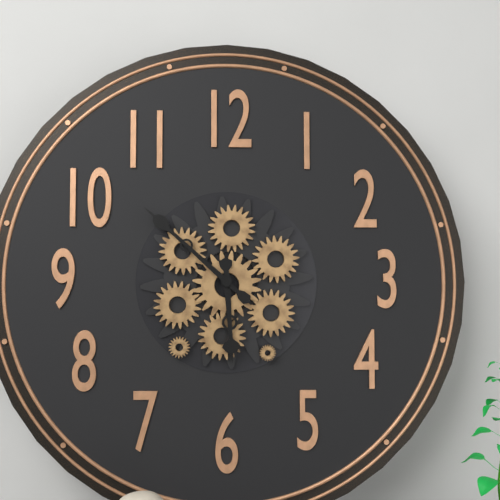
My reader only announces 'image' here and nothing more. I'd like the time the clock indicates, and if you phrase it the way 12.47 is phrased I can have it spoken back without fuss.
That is 5.52
